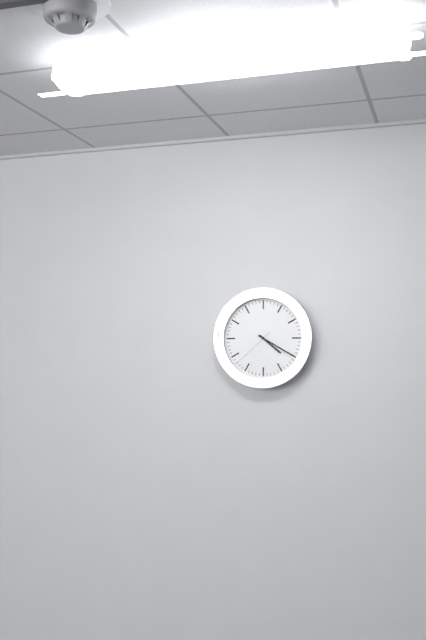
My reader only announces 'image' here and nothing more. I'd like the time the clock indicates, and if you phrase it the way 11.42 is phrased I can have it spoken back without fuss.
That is 4.20
